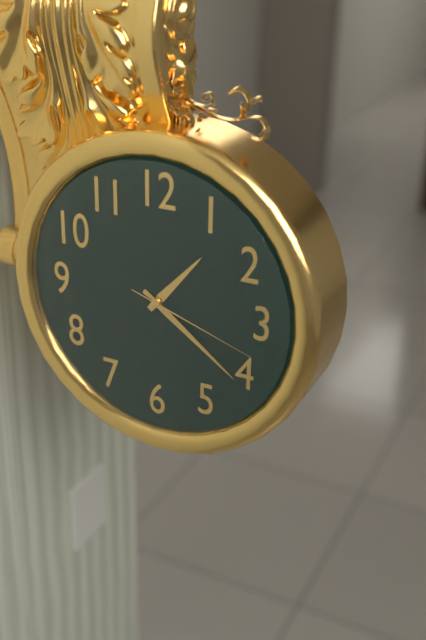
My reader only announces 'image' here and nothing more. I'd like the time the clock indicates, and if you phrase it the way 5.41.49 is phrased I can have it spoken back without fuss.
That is 1.21.18
